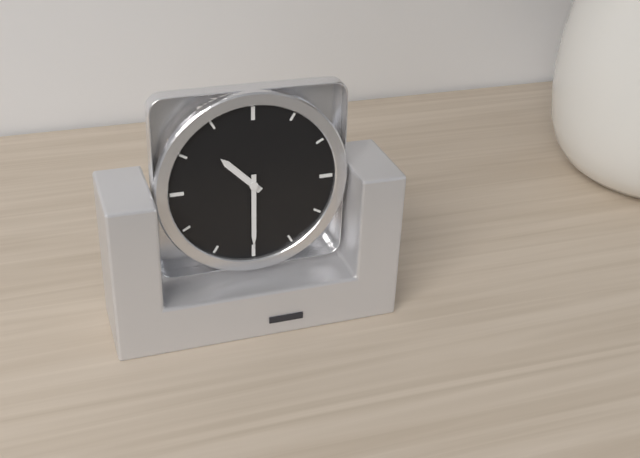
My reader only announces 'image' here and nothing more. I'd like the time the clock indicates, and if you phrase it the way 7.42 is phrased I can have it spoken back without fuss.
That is 10.30
